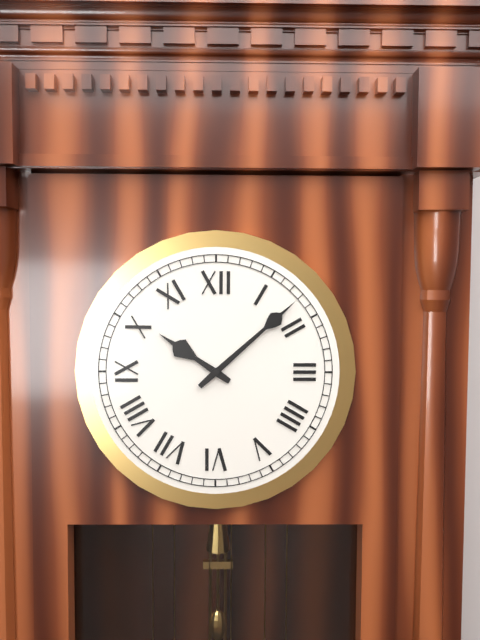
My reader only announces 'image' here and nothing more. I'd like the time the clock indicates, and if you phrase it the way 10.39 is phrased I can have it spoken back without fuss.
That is 10.08
